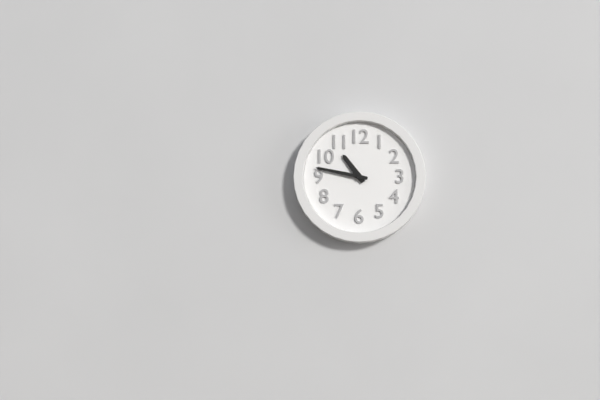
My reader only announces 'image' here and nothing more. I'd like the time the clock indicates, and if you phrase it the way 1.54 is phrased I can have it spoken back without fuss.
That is 10.47
